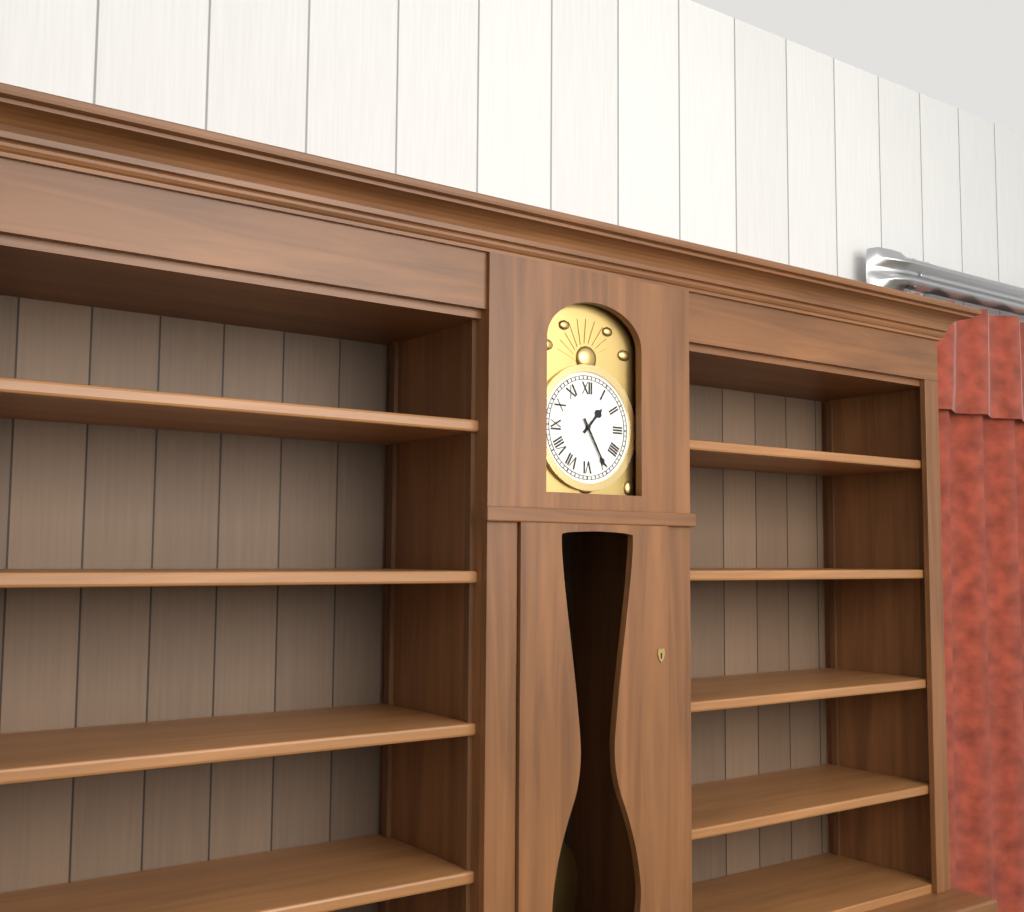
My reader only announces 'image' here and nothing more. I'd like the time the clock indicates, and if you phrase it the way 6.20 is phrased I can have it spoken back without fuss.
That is 1.25
